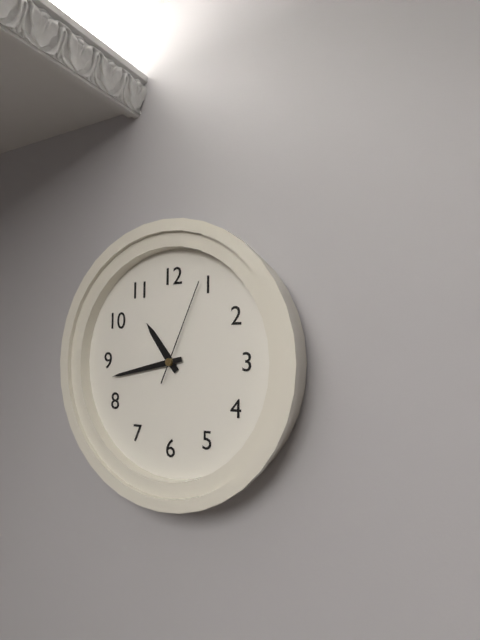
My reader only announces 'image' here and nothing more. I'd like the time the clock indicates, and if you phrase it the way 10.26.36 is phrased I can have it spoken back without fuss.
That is 10.43.04
